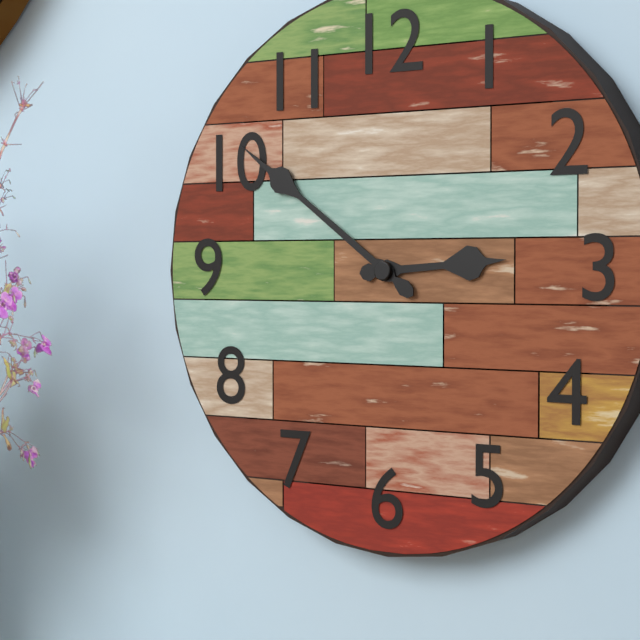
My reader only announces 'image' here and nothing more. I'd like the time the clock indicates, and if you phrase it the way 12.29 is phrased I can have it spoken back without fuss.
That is 2.51
